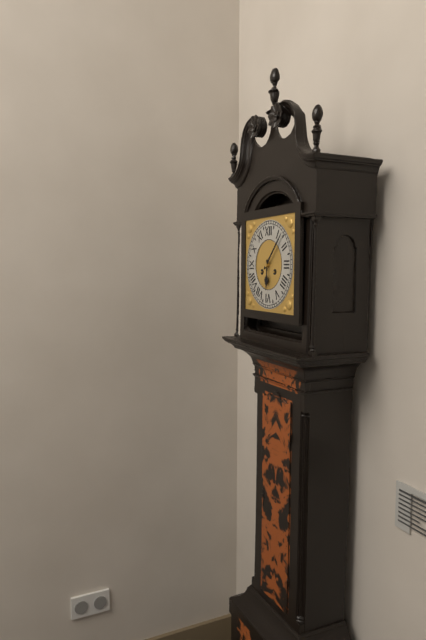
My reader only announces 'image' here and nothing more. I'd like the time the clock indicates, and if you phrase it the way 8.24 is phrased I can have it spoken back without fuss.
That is 6.07
